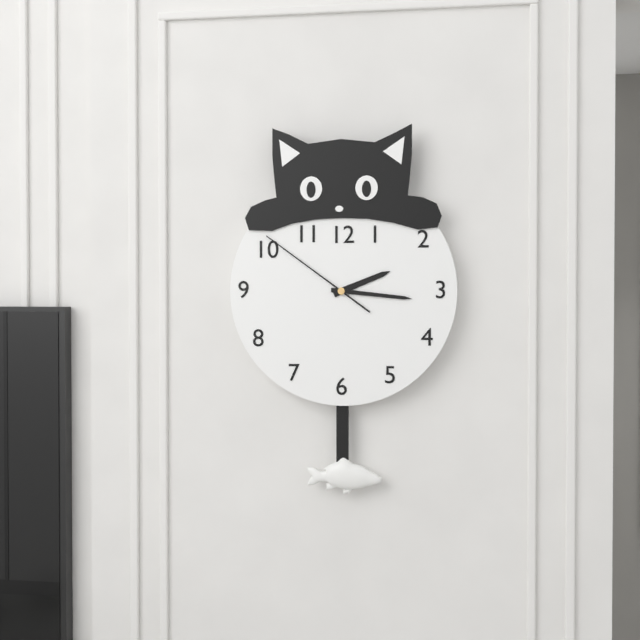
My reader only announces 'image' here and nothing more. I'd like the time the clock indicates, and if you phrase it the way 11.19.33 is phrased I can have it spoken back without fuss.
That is 2.16.51
